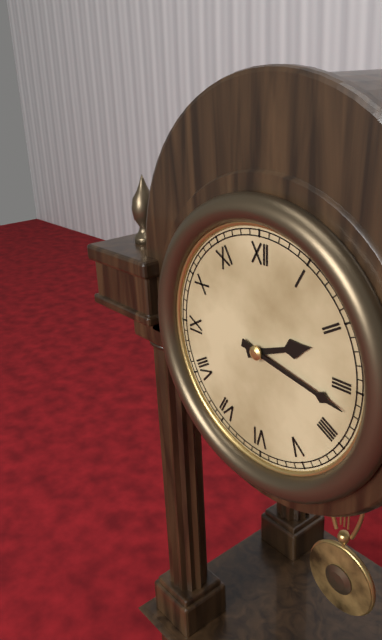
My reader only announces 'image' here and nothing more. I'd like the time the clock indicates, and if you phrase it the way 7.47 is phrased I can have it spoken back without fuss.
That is 2.17
